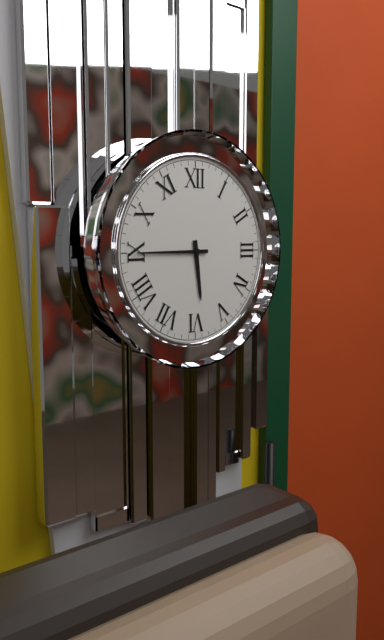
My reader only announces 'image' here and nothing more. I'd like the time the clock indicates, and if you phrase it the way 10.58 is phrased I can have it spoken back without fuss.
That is 5.45
